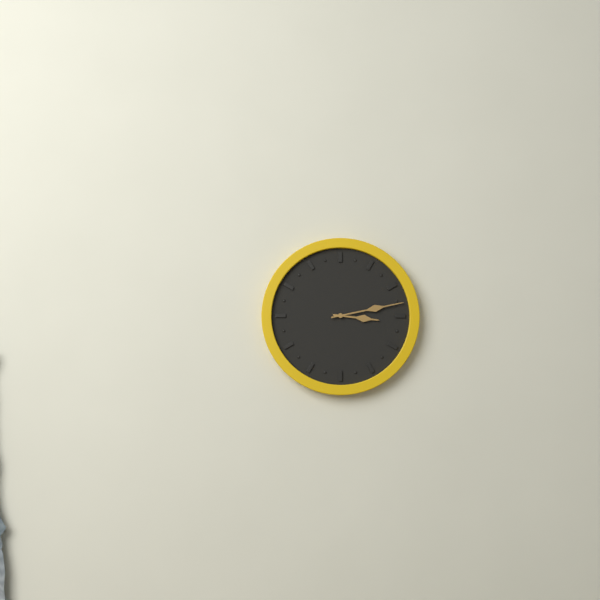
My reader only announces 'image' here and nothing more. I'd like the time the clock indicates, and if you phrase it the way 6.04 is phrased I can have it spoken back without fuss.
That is 3.13
